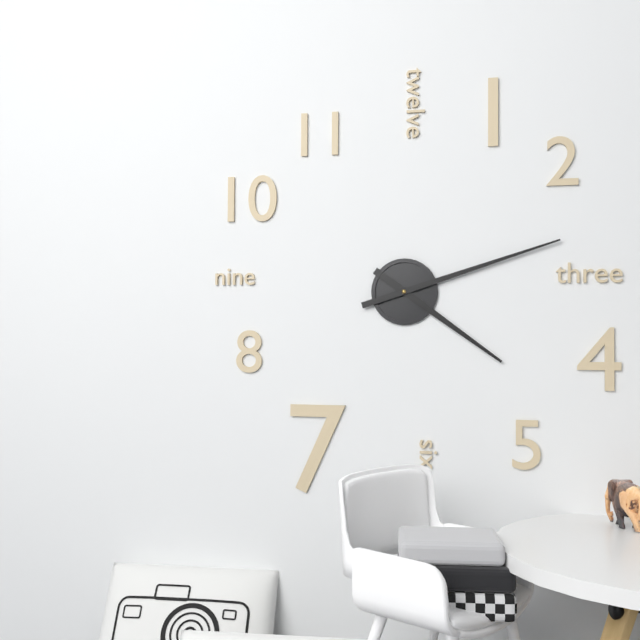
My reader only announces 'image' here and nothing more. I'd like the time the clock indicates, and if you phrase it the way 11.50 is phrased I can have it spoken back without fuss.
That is 4.12
